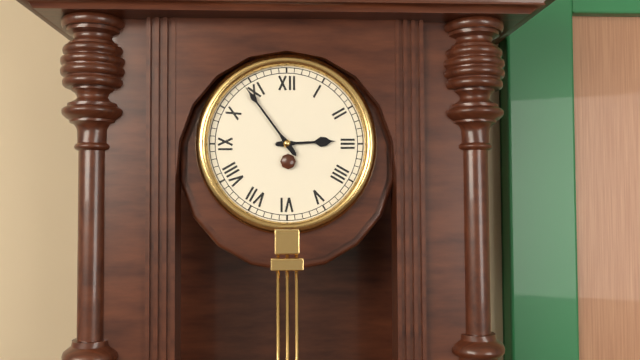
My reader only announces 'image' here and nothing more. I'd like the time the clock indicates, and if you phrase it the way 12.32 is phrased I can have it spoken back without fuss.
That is 2.54
